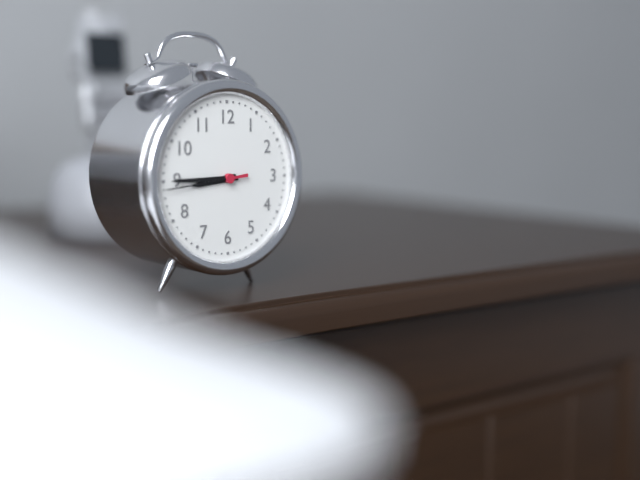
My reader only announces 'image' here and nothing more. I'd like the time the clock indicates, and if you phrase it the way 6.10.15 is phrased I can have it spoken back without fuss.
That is 8.45.44
